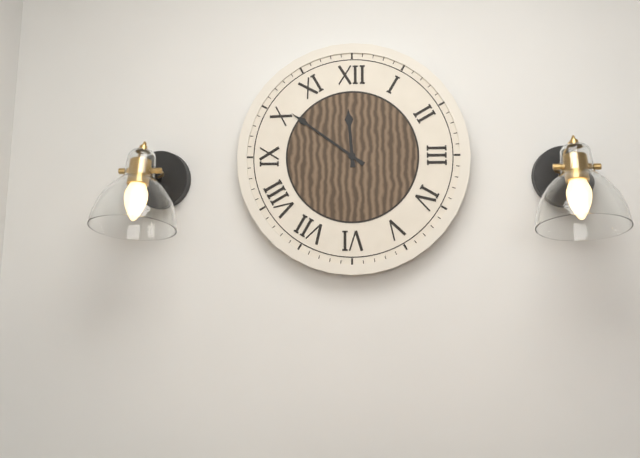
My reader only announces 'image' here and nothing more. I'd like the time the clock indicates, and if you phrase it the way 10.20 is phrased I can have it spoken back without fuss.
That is 11.51
